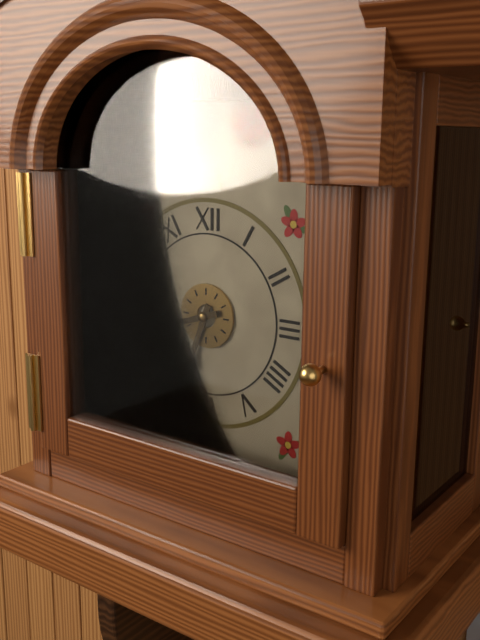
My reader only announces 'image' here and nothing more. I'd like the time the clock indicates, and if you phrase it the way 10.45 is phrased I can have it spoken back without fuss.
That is 6.42
